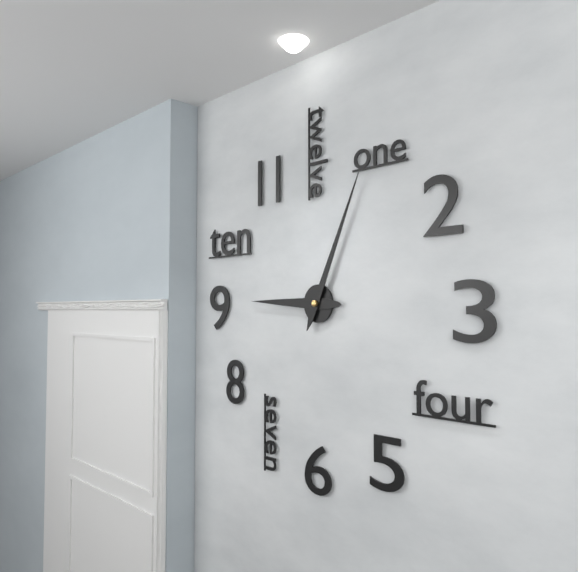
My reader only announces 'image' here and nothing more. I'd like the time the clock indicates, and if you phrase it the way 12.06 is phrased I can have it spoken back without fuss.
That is 9.04
